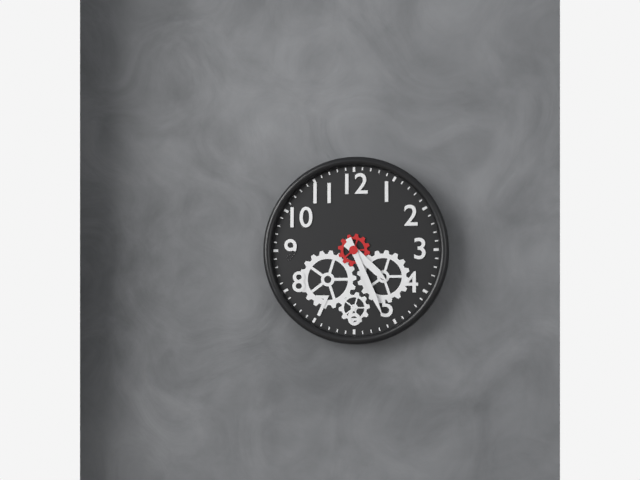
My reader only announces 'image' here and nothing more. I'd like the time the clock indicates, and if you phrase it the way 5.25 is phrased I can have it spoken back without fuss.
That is 4.26
